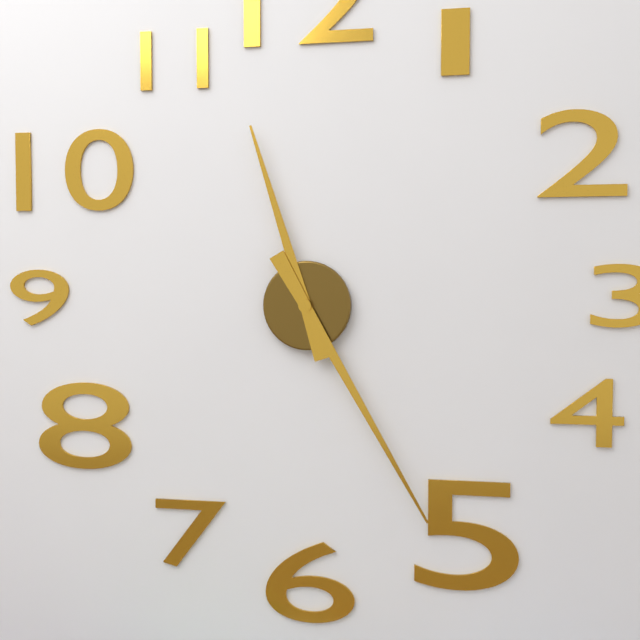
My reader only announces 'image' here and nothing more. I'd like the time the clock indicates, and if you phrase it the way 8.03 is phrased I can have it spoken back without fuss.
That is 11.25
